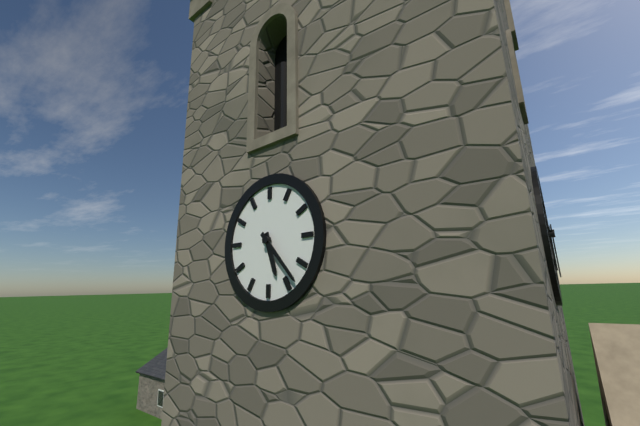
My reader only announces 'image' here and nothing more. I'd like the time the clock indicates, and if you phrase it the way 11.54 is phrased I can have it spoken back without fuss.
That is 5.23
